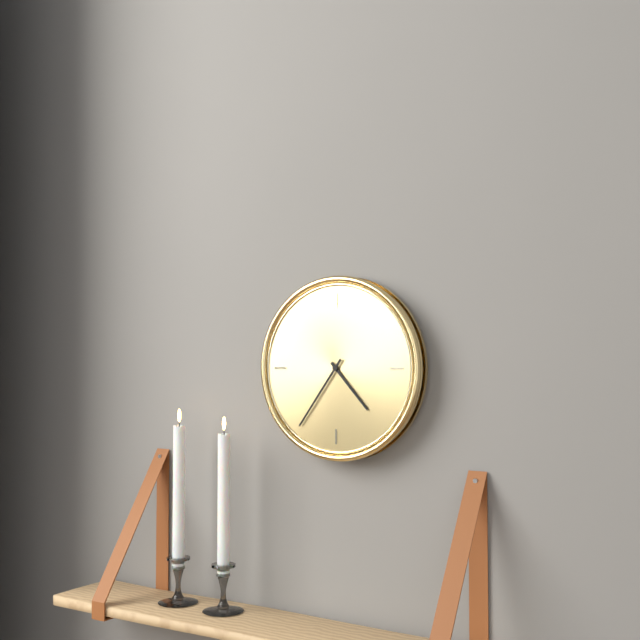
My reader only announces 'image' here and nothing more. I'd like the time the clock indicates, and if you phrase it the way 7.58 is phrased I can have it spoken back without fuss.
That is 4.36
